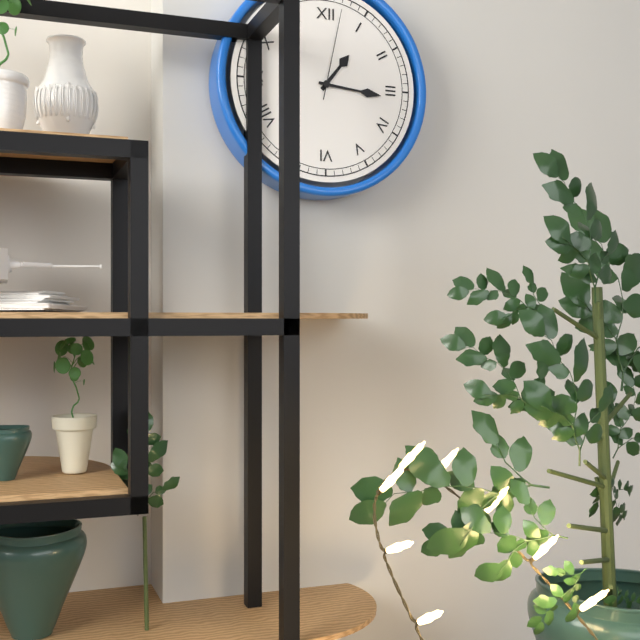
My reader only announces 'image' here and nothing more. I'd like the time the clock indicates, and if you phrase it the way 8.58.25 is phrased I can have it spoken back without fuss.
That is 1.16.02
